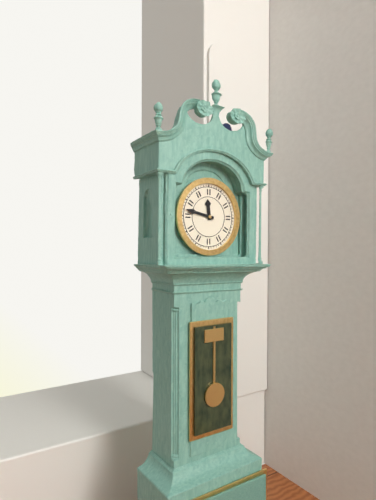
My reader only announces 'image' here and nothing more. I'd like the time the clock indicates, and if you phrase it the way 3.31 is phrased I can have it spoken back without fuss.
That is 11.47
